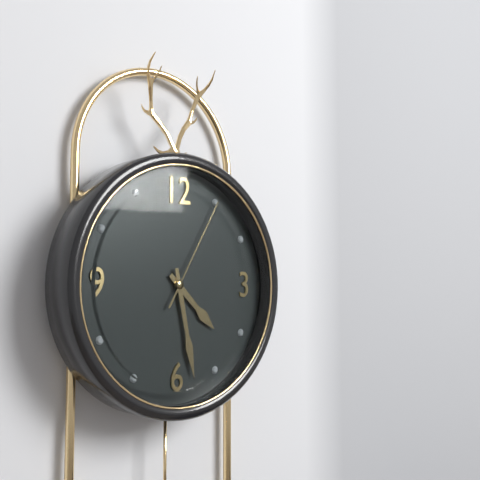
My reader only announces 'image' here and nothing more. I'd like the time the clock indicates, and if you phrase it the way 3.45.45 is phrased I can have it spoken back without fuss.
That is 4.28.05
